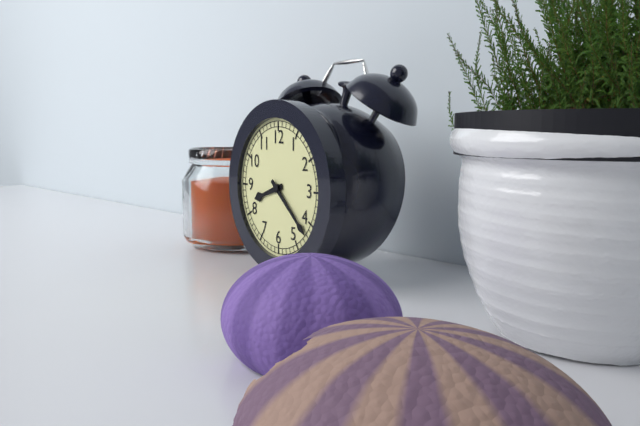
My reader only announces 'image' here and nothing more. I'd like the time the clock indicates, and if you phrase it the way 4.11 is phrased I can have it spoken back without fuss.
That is 8.22
